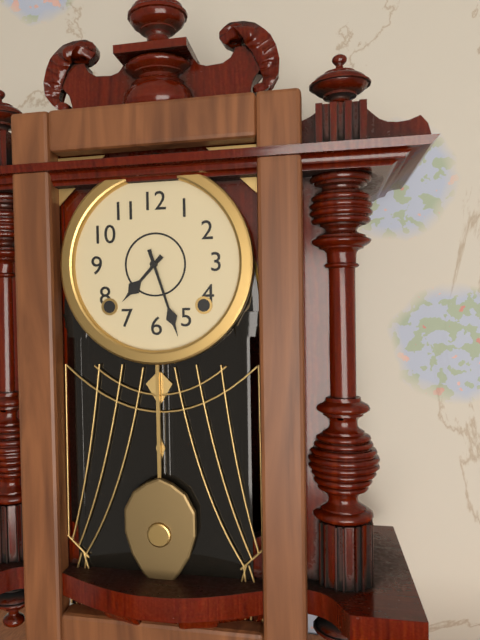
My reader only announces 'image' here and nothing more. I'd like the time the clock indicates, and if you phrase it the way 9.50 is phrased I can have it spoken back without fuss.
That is 7.27
